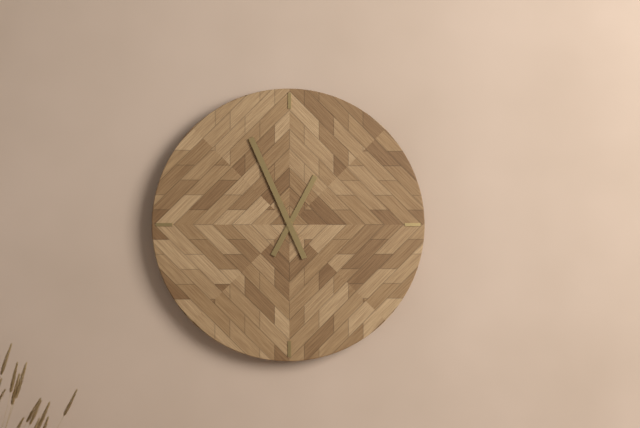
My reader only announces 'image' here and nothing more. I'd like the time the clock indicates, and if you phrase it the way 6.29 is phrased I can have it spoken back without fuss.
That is 12.56
